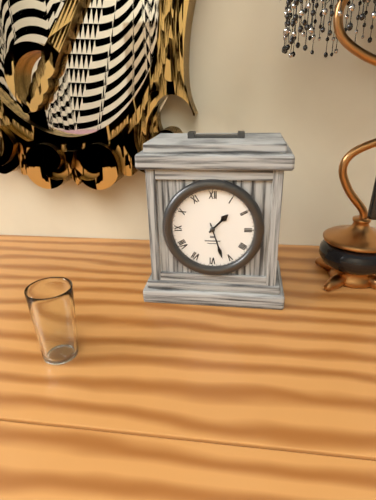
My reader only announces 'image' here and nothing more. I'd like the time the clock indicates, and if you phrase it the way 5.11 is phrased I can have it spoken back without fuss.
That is 1.27
